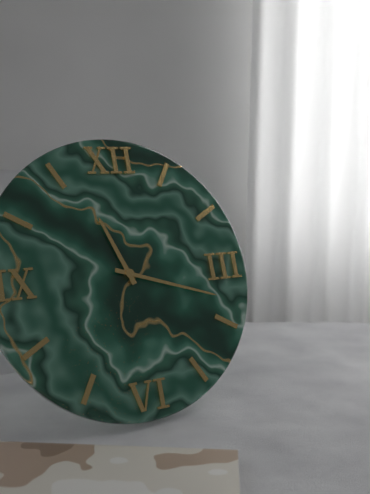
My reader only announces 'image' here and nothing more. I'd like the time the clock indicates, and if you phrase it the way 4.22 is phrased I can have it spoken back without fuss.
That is 11.18
